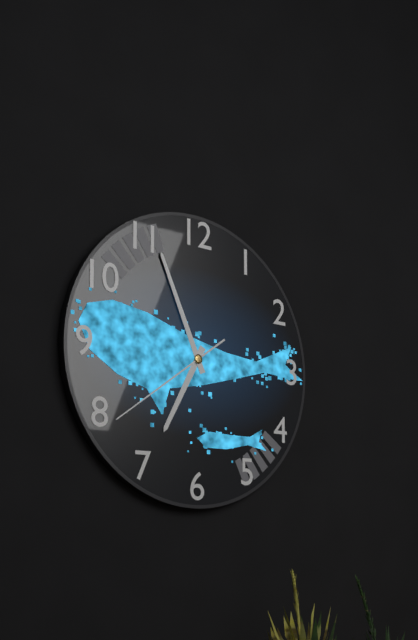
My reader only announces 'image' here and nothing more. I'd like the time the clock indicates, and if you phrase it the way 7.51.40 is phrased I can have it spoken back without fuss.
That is 6.56.39
